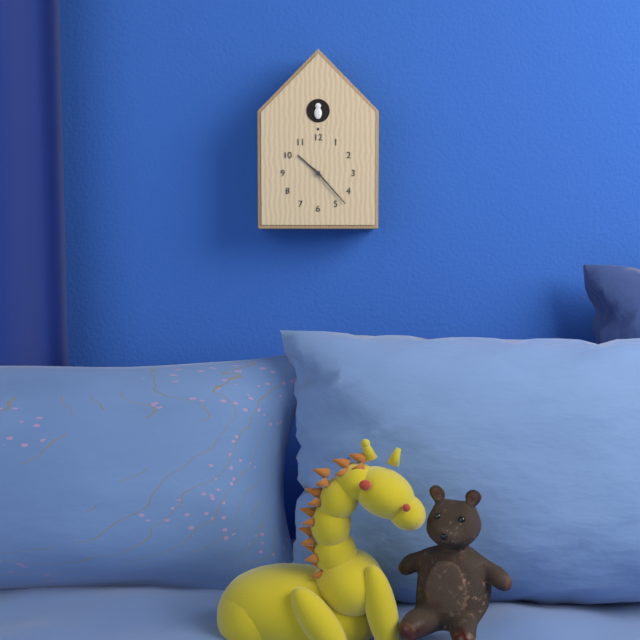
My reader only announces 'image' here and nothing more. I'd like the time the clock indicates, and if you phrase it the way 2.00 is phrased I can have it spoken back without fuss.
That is 10.23
